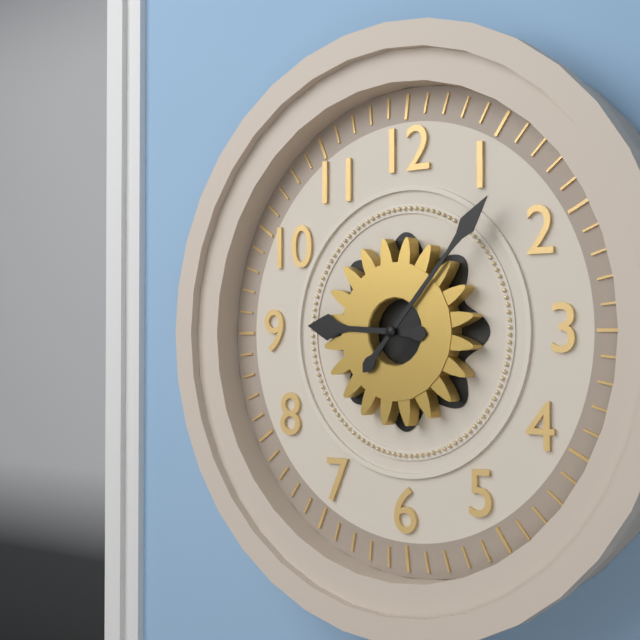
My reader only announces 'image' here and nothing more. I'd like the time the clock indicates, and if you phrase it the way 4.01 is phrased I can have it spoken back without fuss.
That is 9.07
